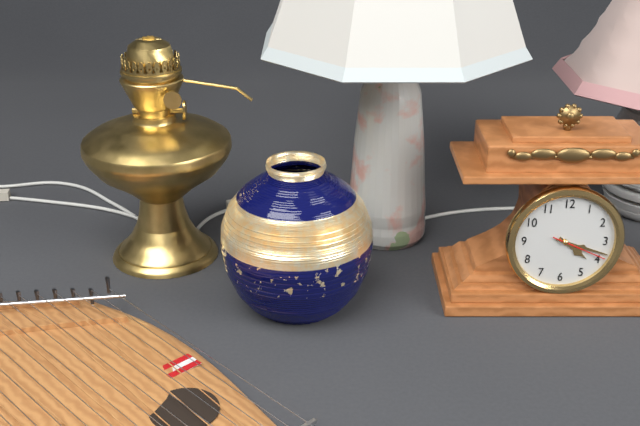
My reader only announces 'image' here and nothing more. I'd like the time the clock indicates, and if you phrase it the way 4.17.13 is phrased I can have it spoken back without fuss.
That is 4.18.19
